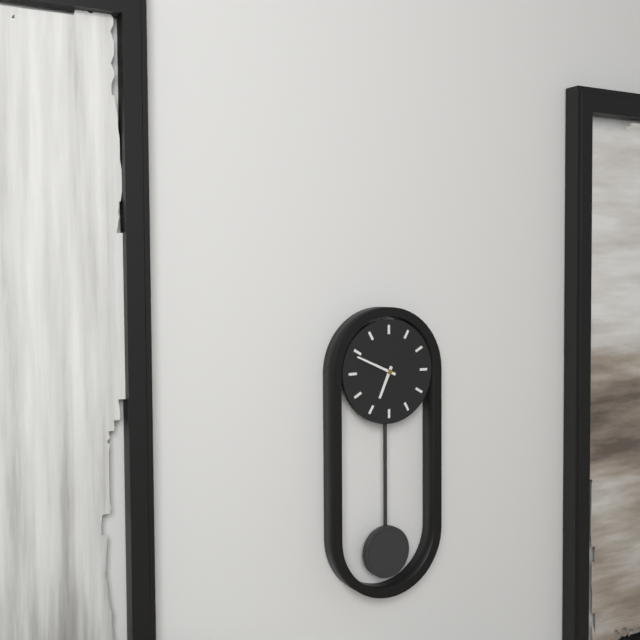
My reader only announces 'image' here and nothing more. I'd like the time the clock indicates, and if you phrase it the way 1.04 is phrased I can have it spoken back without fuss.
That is 6.49
